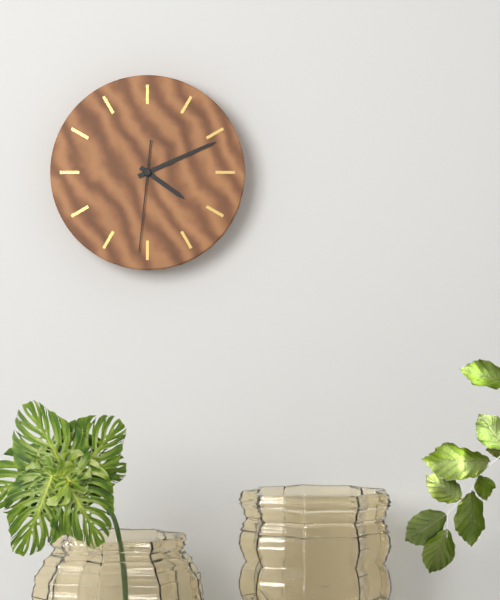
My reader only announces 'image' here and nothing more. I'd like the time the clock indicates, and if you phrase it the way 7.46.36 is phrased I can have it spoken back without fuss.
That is 4.11.31
